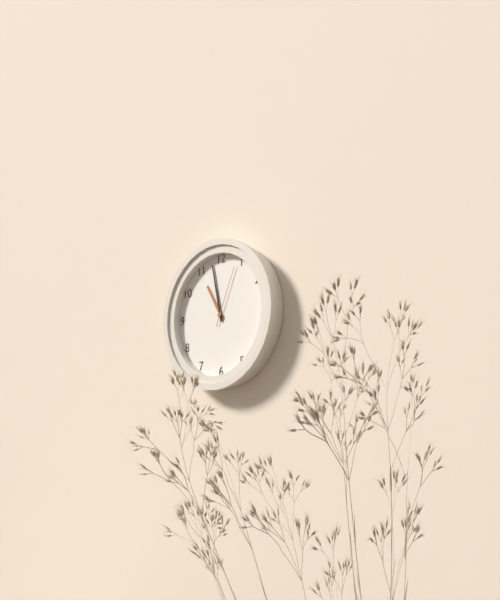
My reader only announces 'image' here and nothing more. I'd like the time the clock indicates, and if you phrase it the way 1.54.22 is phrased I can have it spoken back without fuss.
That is 10.58.04
